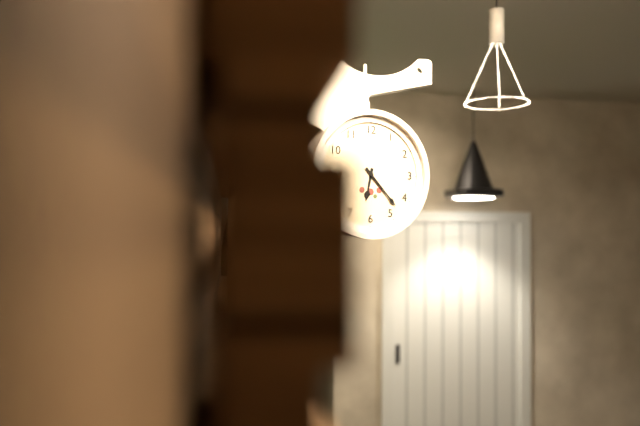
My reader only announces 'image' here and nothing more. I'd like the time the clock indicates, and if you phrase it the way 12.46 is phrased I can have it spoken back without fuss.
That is 6.23
